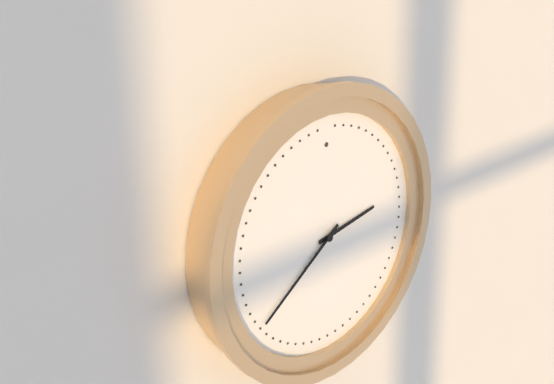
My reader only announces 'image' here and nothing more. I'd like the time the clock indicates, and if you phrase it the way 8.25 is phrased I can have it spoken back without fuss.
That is 2.39
